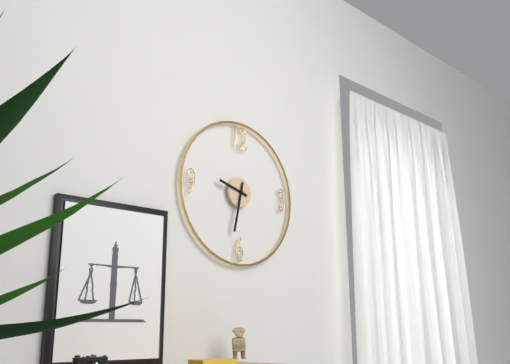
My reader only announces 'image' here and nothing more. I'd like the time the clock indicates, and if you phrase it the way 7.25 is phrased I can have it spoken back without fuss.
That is 9.32
